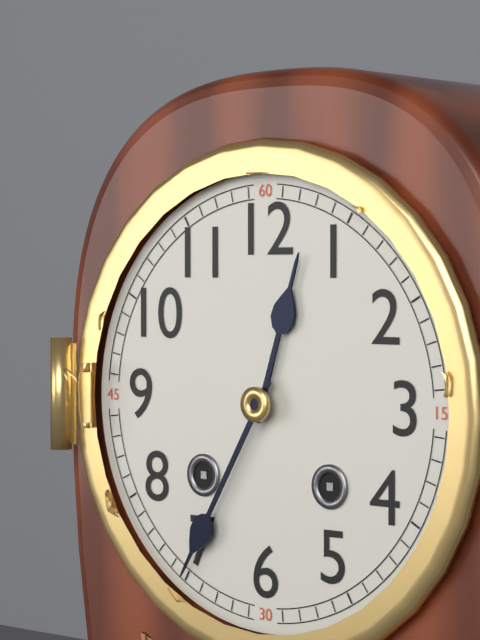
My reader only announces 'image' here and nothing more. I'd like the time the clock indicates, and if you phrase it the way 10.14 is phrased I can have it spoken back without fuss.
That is 12.35
